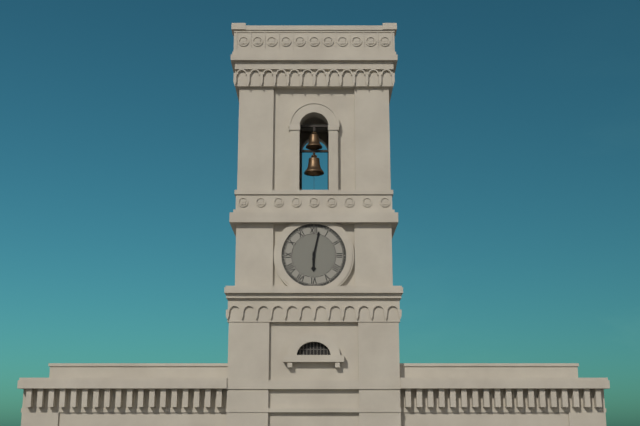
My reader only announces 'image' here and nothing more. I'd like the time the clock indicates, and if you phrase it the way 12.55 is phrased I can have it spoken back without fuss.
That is 6.02
